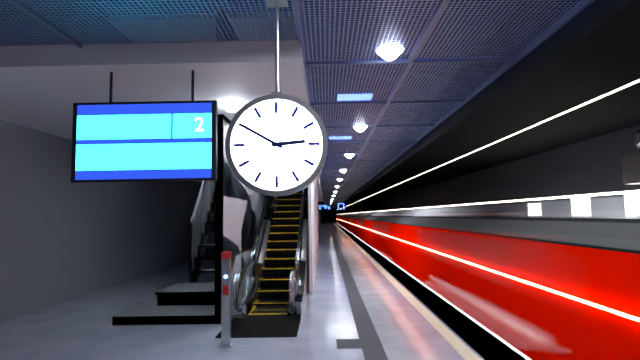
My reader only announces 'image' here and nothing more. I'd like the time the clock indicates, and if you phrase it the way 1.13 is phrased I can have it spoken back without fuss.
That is 2.50
